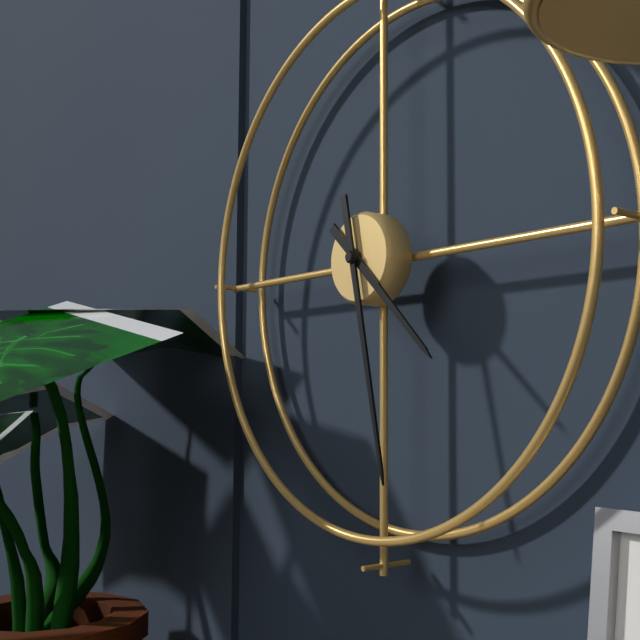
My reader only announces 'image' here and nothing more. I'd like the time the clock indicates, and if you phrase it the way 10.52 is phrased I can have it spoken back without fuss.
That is 4.28
